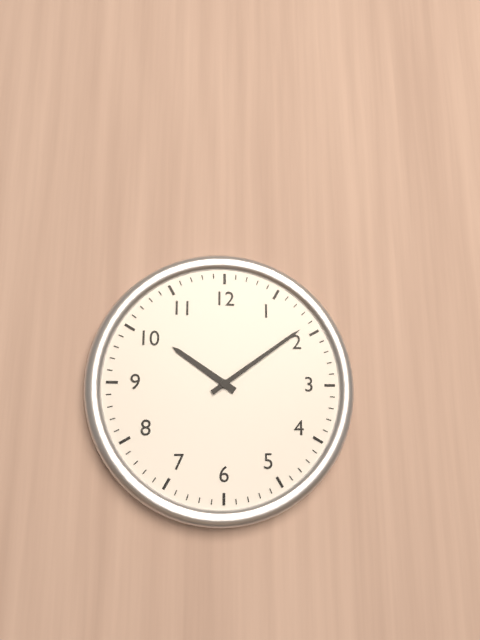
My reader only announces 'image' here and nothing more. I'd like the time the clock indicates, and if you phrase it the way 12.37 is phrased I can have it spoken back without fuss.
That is 10.09
